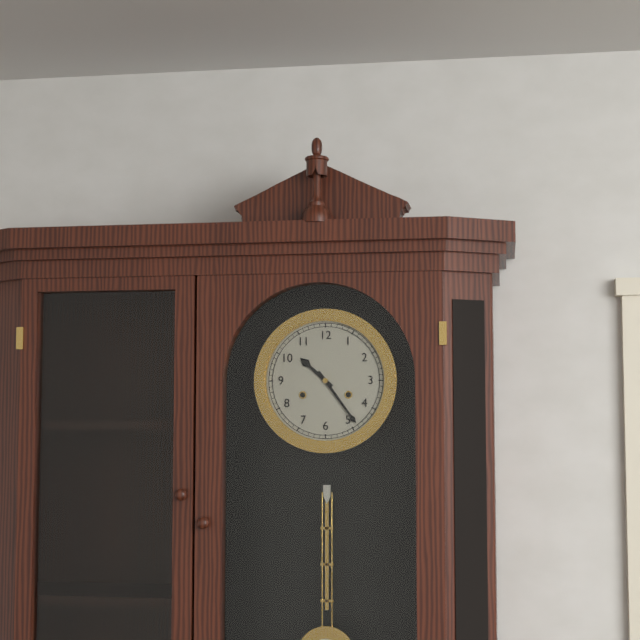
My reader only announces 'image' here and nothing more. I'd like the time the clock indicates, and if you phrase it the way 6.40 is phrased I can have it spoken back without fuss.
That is 10.24
